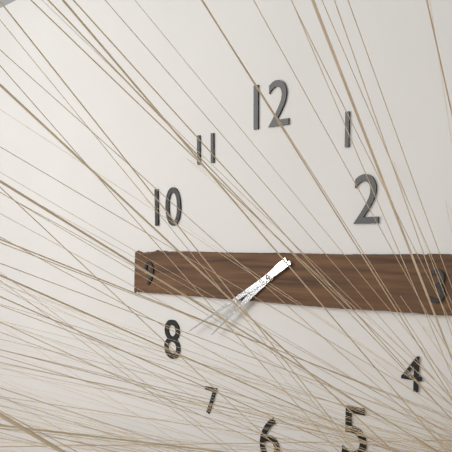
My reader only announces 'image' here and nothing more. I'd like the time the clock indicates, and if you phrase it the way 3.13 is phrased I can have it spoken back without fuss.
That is 7.40
